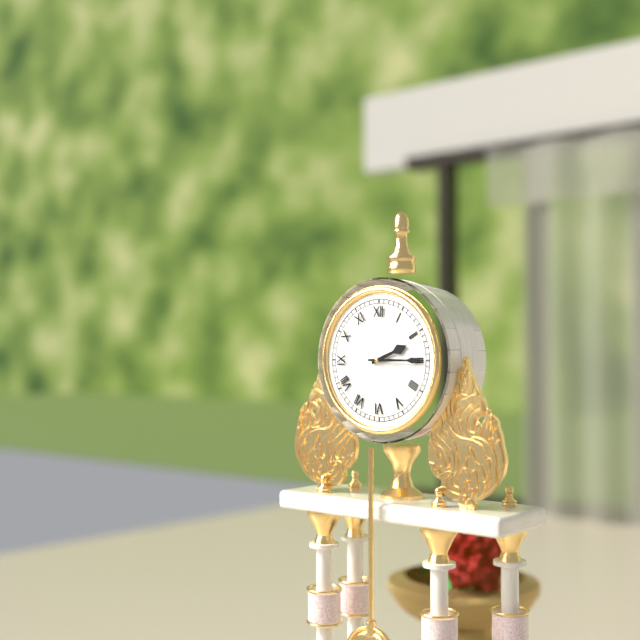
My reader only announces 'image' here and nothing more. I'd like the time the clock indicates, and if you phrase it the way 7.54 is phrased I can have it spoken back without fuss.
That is 2.15
